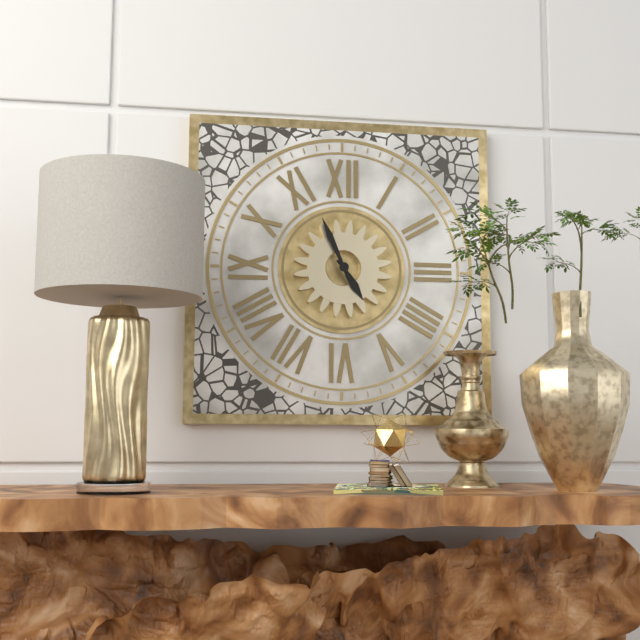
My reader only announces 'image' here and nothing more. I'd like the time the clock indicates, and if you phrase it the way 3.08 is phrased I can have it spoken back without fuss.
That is 4.56
